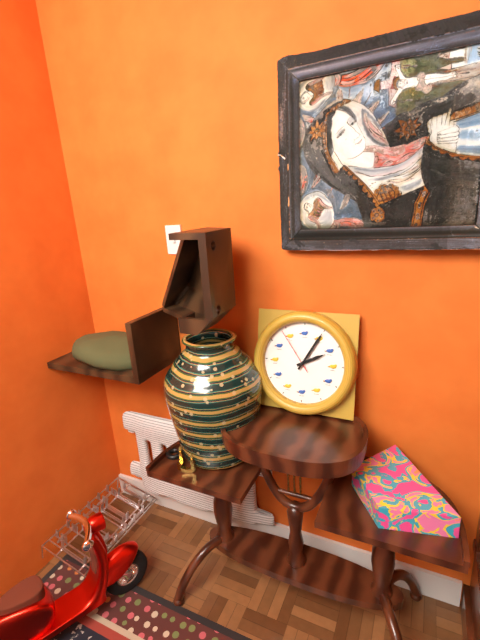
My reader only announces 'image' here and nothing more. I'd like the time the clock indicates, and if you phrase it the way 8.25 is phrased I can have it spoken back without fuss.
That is 2.05
